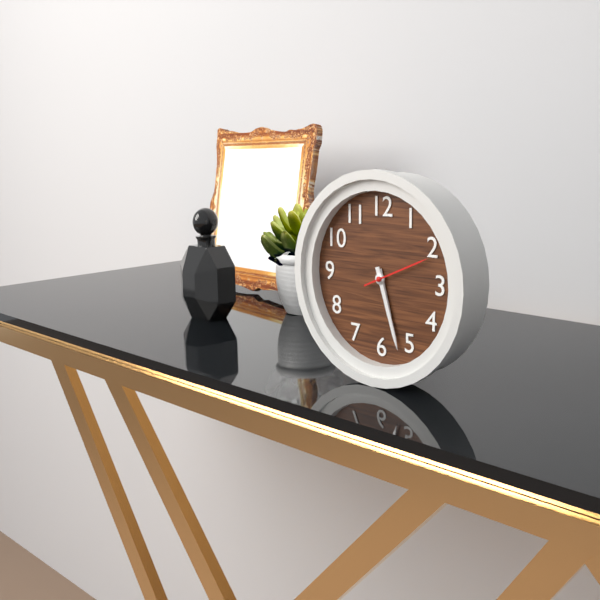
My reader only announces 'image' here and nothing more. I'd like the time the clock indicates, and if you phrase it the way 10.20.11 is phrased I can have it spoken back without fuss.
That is 5.27.11
